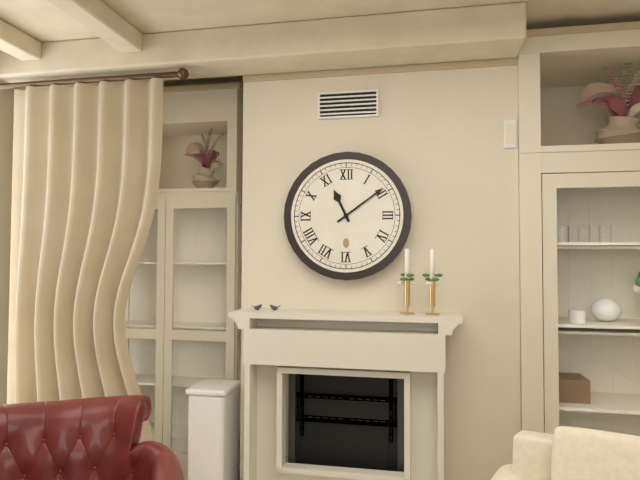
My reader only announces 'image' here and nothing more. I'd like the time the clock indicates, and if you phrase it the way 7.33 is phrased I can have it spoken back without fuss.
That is 11.09
